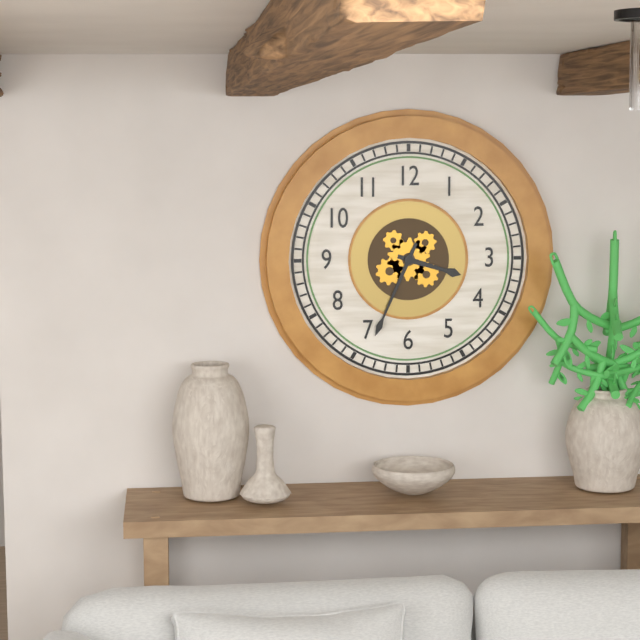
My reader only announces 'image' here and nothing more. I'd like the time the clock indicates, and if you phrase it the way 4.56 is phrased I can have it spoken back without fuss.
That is 3.34
